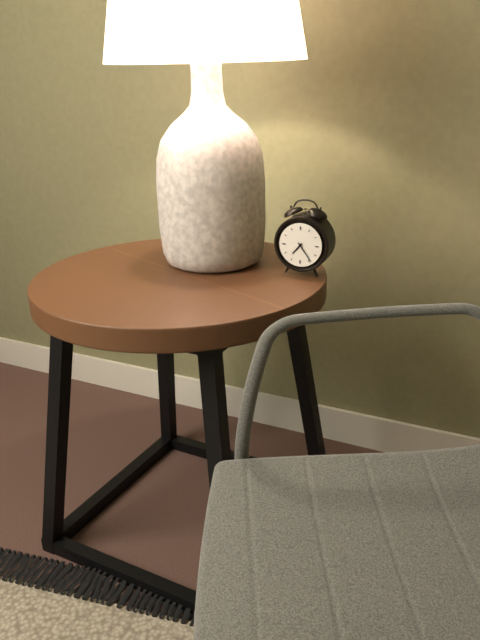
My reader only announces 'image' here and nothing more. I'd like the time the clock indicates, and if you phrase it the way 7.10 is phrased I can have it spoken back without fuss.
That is 7.24
